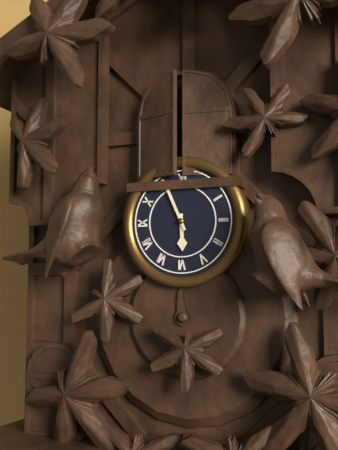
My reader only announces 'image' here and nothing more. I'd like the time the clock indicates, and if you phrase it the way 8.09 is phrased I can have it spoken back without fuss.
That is 5.56
